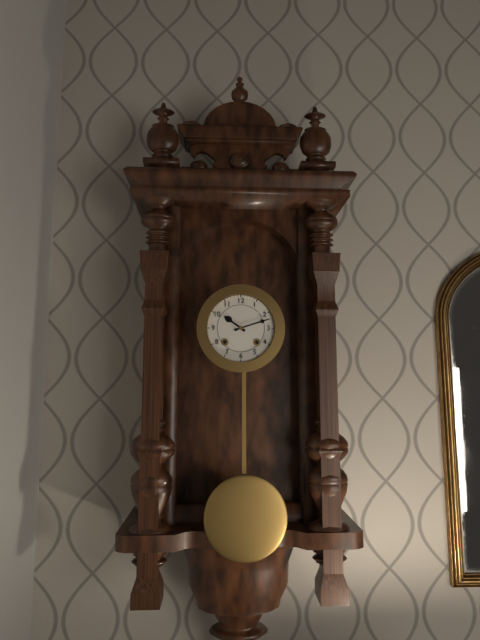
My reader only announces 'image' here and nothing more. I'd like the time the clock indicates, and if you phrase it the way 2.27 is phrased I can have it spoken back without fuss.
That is 10.12
